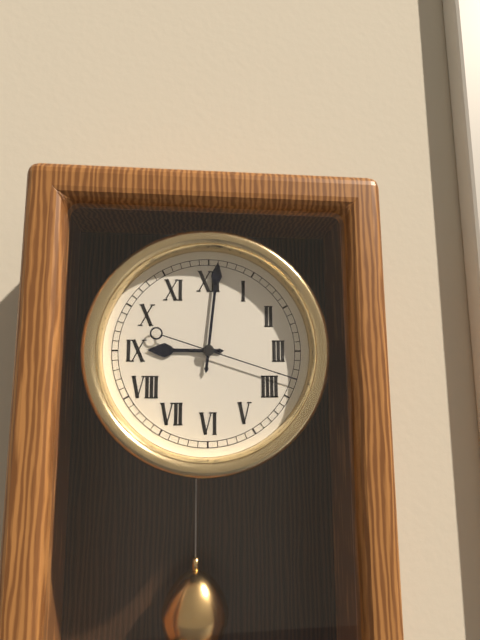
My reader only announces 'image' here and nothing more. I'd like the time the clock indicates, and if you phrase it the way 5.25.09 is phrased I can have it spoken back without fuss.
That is 9.01.18
